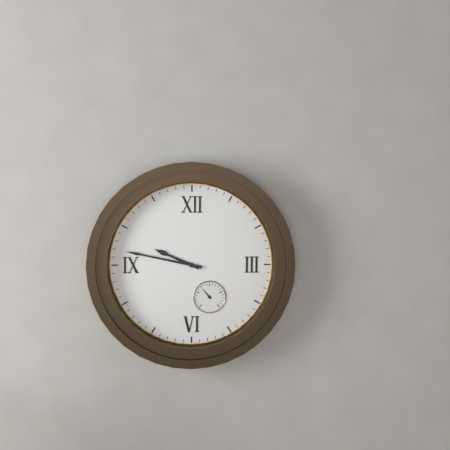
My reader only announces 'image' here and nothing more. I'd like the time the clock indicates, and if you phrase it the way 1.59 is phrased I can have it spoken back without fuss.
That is 9.47
